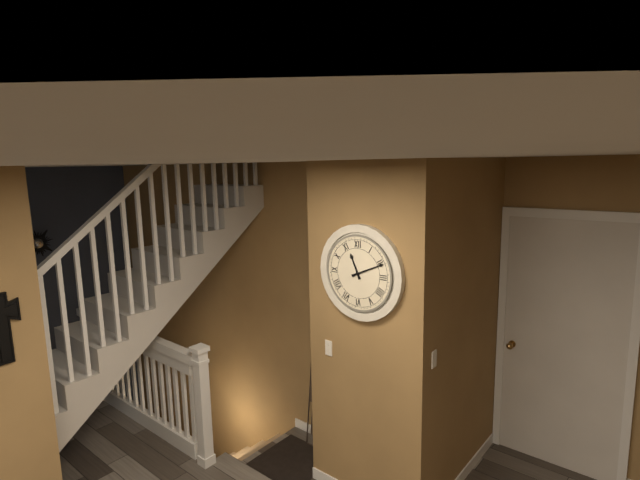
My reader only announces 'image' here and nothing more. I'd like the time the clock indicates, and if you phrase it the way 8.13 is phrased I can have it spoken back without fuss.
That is 11.11
